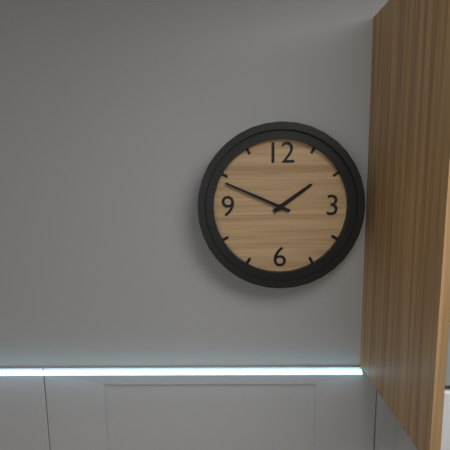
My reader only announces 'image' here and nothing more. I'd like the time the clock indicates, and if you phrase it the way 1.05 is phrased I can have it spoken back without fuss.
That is 1.49
